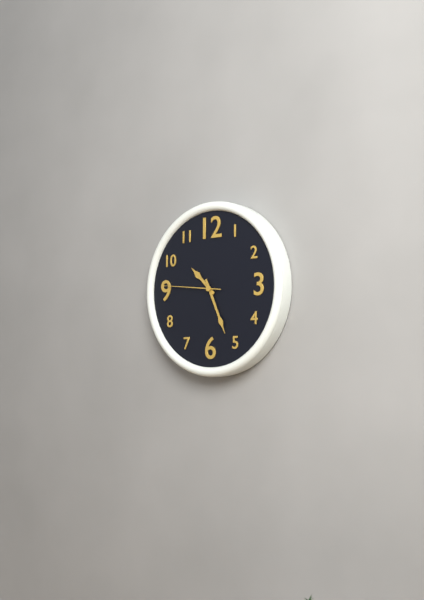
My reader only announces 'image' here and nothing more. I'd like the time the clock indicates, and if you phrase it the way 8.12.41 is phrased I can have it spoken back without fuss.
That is 10.26.46
